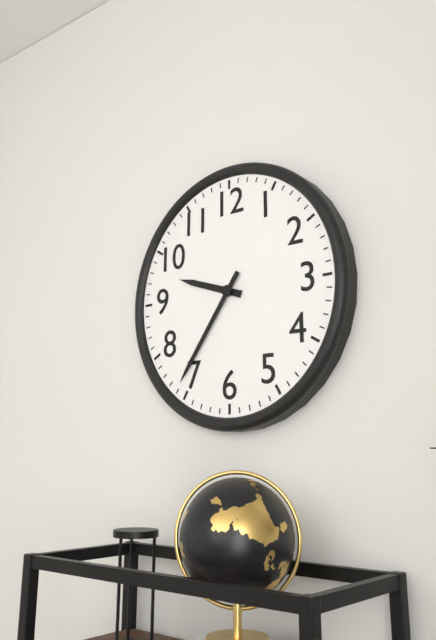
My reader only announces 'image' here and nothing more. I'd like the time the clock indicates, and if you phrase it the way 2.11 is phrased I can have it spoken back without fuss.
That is 9.36
